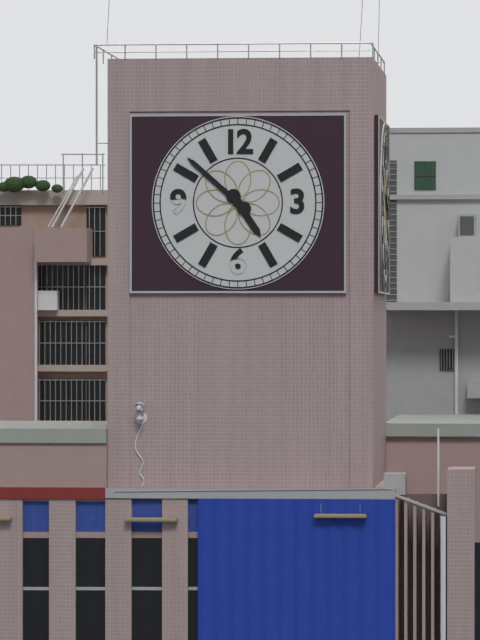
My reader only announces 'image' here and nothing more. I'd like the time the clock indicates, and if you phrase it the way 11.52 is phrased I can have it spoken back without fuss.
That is 4.52
